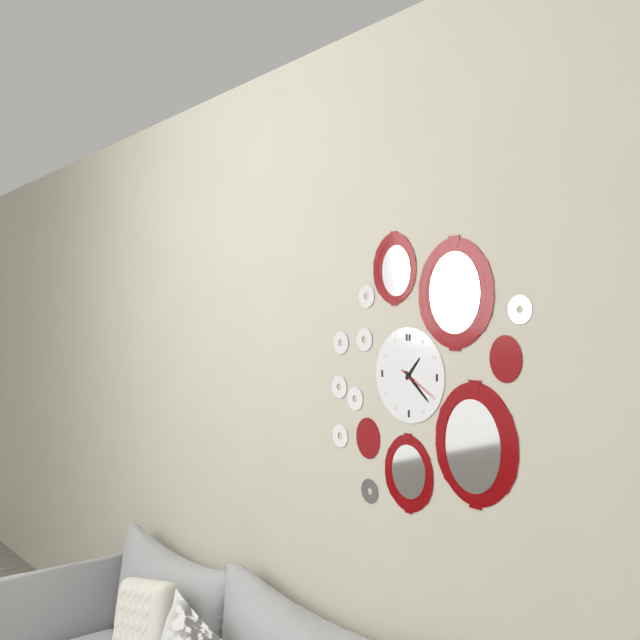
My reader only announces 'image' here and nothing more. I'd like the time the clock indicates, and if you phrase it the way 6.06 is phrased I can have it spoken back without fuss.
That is 1.22
